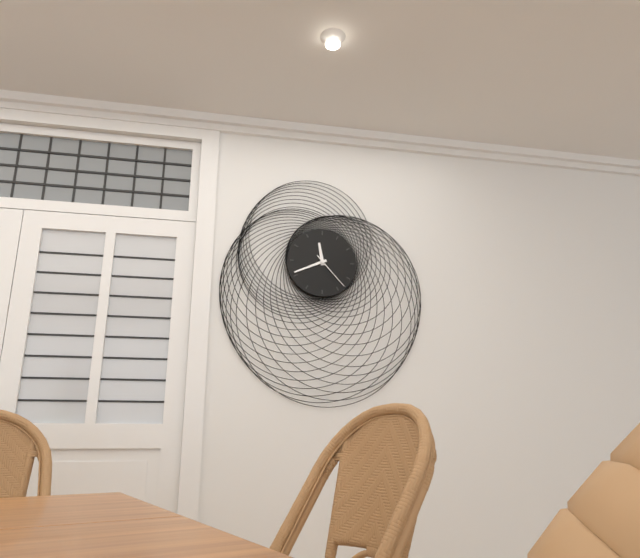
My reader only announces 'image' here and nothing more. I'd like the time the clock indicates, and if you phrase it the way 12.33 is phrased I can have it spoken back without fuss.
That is 11.41
